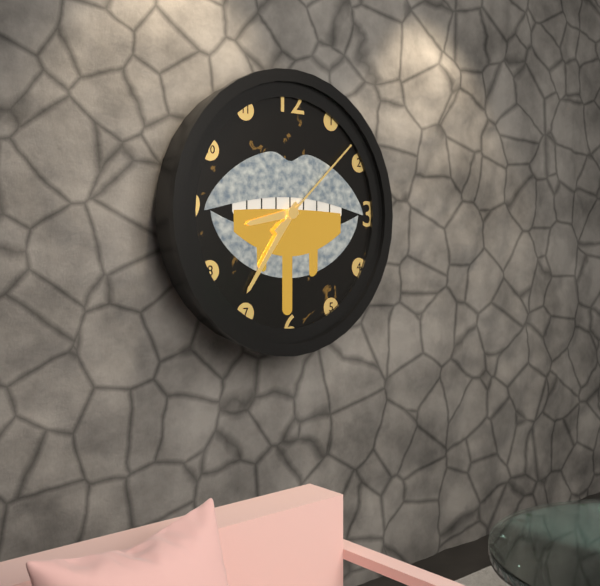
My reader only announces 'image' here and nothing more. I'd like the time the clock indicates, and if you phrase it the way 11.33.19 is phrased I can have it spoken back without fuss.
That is 8.36.08
